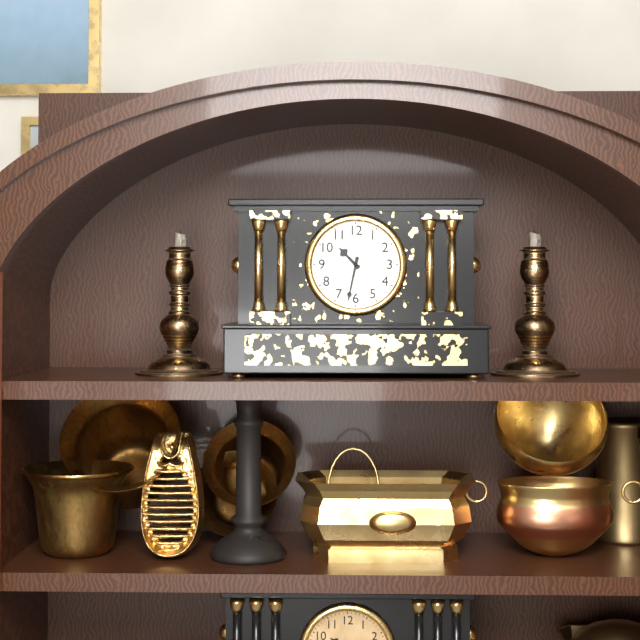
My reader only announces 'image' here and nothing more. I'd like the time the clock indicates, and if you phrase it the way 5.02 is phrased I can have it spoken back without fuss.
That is 10.32
